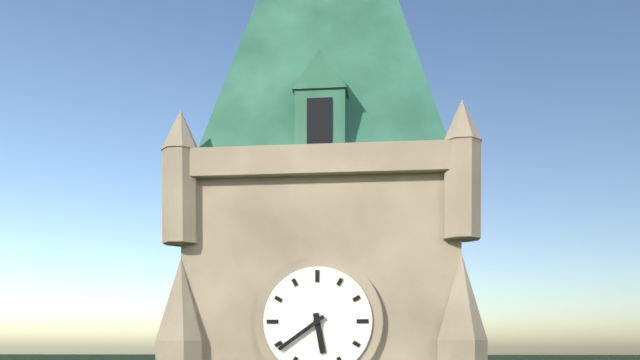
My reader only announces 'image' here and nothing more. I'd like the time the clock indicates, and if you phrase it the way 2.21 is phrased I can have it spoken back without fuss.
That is 5.39
